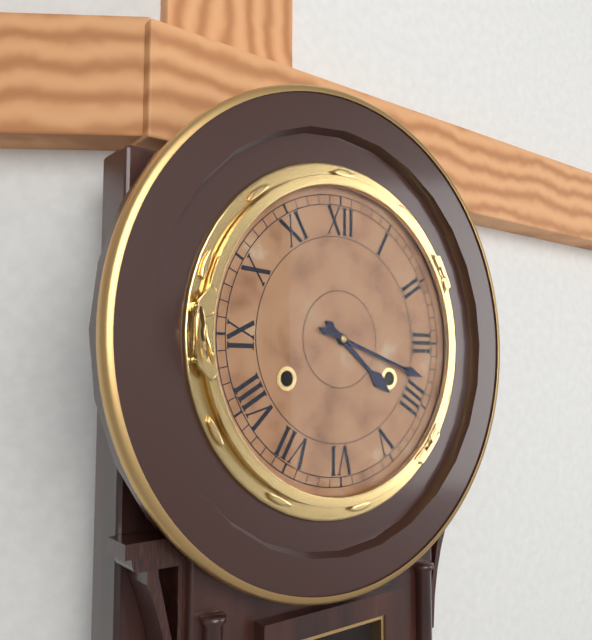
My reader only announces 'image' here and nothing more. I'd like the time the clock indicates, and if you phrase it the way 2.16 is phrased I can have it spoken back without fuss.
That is 4.18
